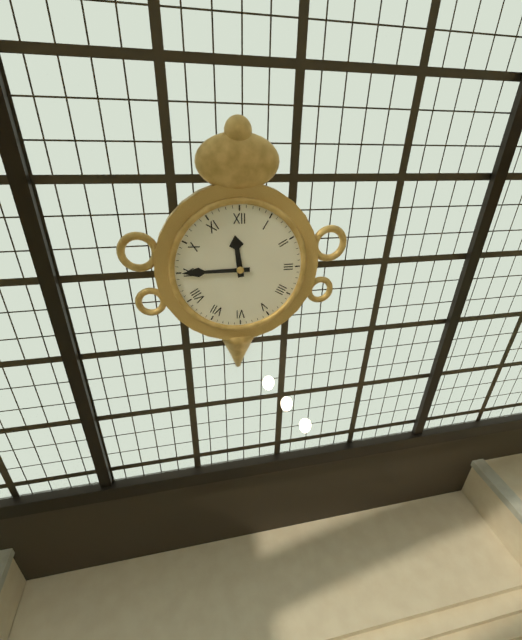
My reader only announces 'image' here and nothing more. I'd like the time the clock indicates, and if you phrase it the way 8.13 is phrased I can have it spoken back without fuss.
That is 11.45
